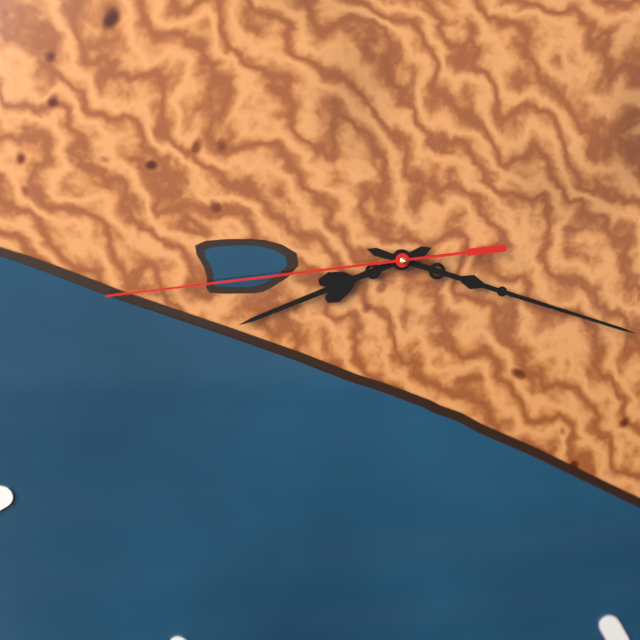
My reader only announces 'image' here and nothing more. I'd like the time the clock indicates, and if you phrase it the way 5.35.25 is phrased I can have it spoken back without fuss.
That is 8.18.44
